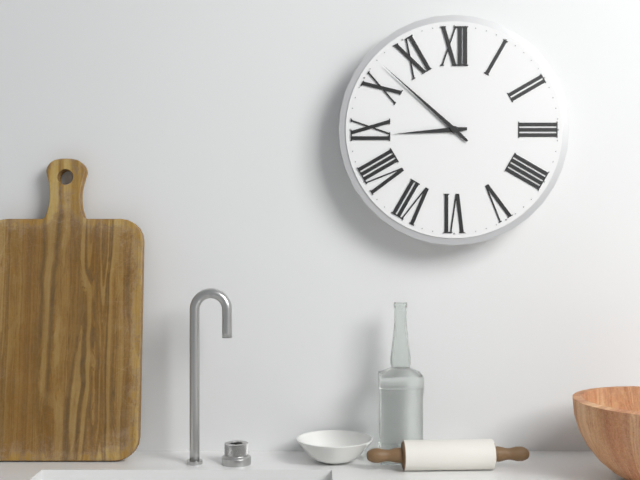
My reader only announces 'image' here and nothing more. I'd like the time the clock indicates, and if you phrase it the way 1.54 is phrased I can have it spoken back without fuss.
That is 8.52
